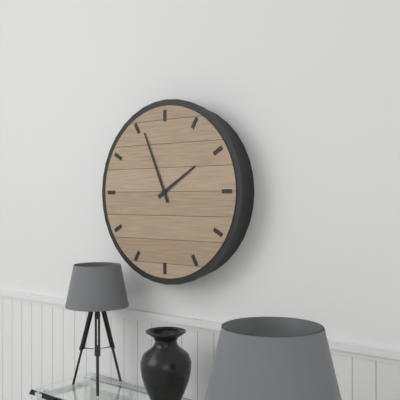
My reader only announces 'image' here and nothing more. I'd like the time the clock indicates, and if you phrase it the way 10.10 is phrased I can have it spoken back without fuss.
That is 1.56
